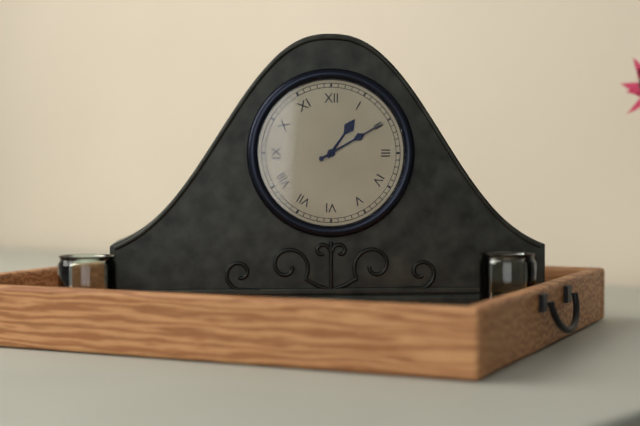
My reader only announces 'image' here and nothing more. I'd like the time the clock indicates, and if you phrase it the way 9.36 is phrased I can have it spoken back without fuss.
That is 1.10
